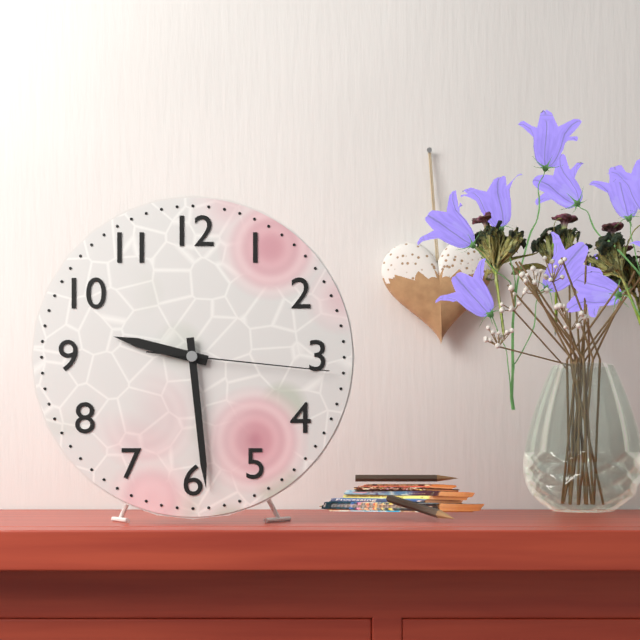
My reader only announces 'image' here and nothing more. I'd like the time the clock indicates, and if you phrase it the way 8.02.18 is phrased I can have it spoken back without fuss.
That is 9.29.16
